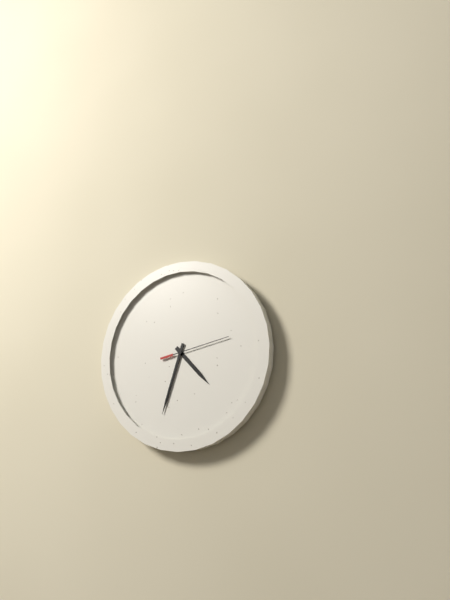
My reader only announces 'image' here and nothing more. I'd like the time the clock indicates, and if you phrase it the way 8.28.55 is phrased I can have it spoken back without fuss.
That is 4.33.13
